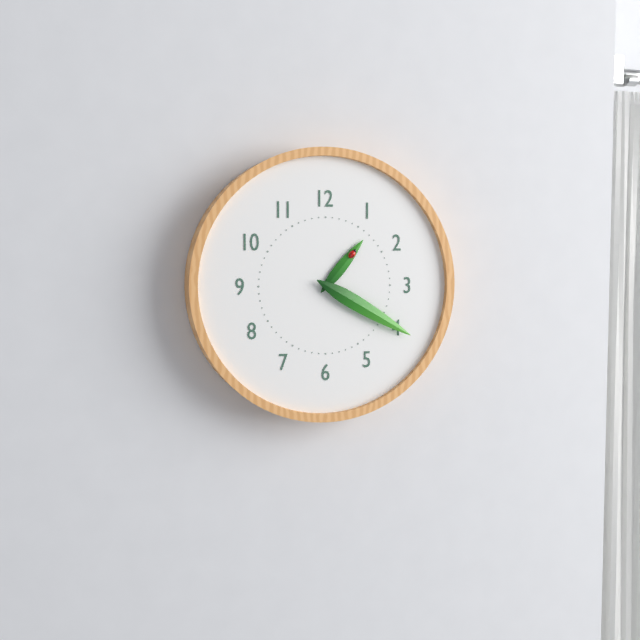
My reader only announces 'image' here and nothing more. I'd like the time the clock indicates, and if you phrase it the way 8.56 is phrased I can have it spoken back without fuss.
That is 1.20
